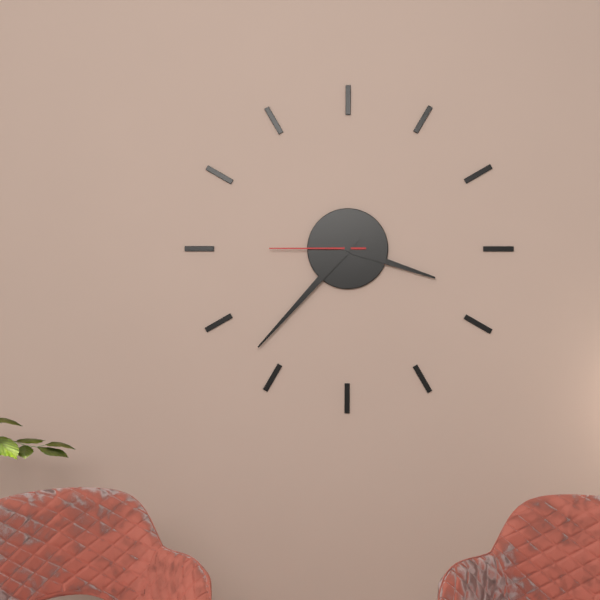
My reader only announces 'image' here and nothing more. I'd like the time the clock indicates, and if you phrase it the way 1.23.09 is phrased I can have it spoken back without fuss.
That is 3.37.45
